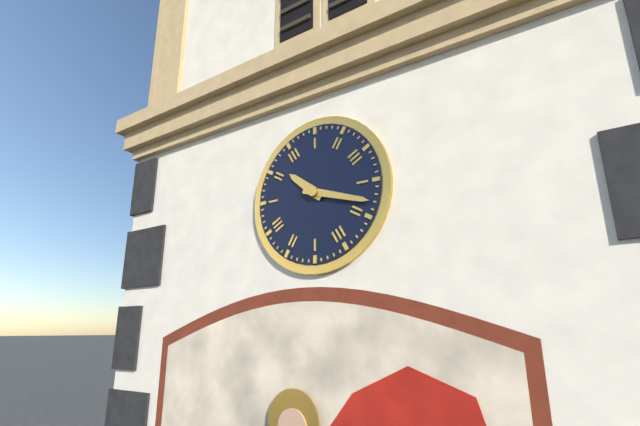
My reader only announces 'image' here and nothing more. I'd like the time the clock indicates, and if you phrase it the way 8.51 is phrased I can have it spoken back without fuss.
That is 10.18
